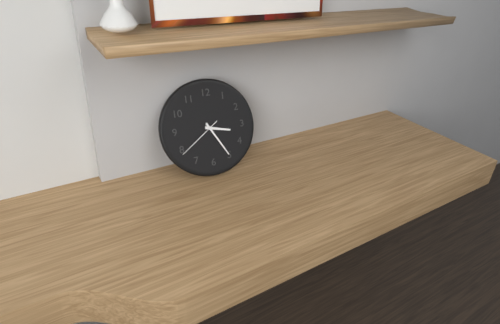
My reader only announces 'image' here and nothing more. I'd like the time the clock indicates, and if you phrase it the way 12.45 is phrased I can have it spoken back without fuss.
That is 3.25
